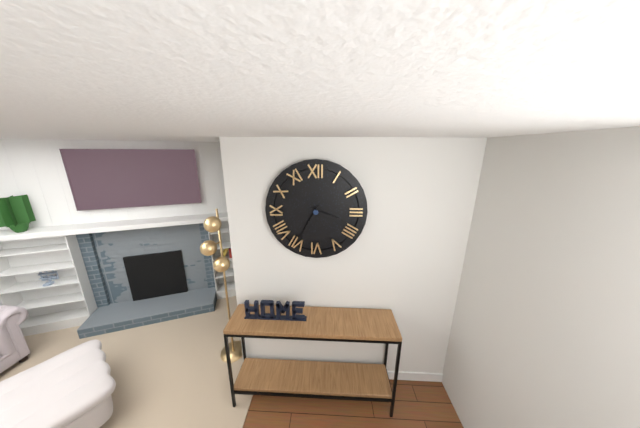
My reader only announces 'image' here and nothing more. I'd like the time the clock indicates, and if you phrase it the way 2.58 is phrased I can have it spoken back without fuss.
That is 3.35
